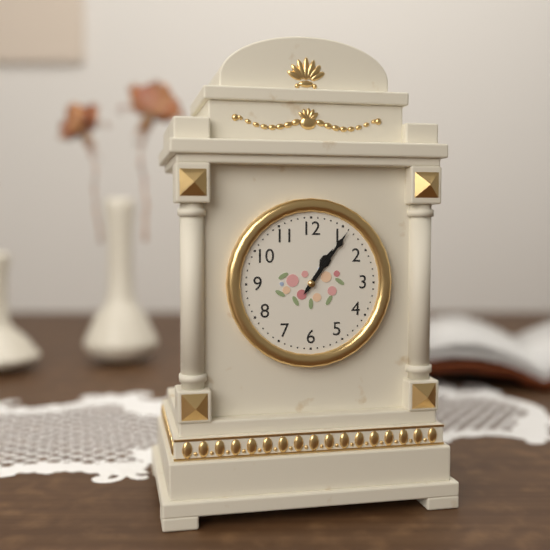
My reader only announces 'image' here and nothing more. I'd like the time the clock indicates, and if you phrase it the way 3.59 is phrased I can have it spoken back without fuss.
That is 1.06
